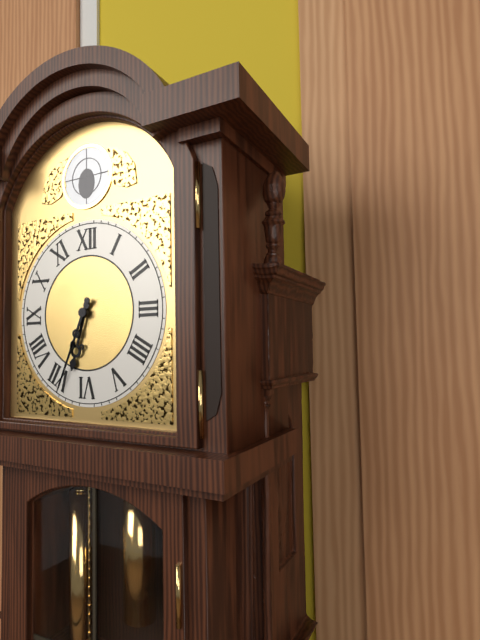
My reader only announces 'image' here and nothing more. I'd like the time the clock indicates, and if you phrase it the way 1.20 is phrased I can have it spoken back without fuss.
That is 6.34
